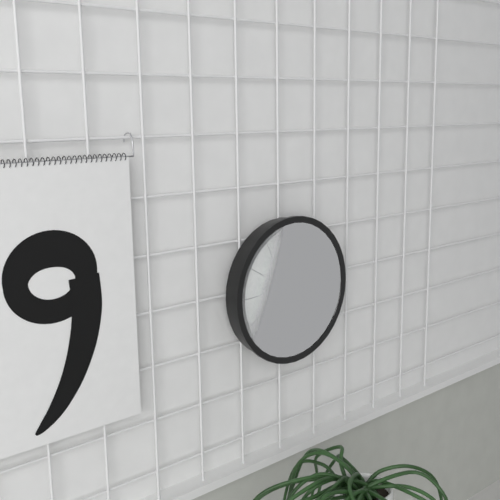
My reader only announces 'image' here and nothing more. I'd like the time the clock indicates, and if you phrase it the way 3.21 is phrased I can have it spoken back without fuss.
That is 7.32
